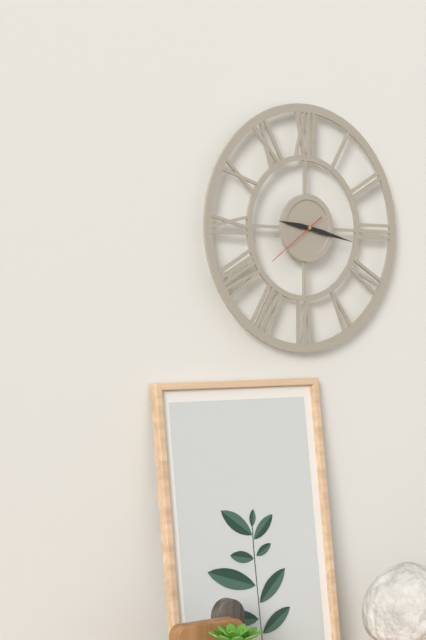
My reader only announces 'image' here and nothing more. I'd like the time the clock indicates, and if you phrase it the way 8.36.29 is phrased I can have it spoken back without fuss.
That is 9.17.39
